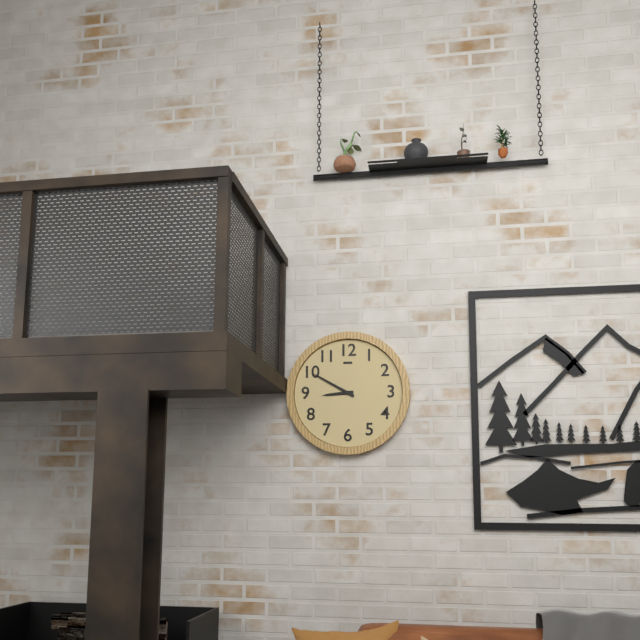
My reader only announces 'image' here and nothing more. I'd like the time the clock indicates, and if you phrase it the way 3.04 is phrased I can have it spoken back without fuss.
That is 8.50
